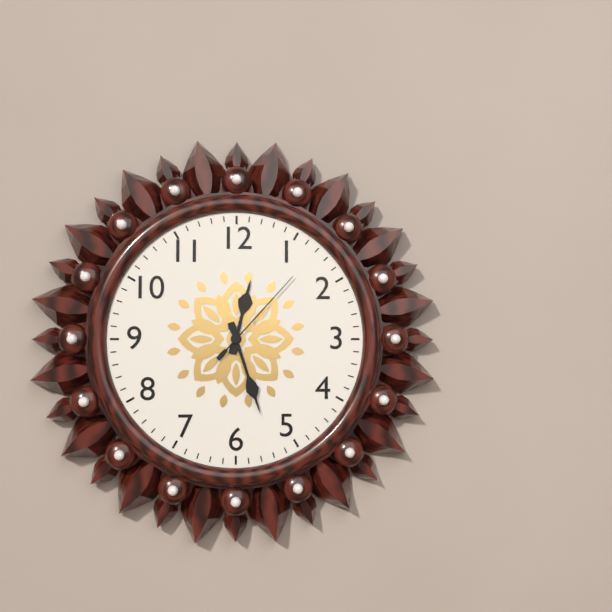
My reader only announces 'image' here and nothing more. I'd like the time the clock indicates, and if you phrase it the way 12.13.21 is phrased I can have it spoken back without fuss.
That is 12.27.07
